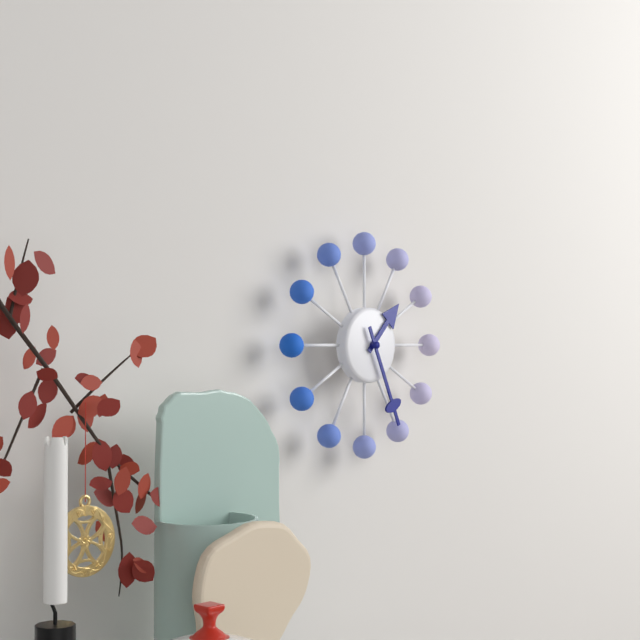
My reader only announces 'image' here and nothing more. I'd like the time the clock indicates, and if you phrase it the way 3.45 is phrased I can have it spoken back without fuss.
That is 1.26
